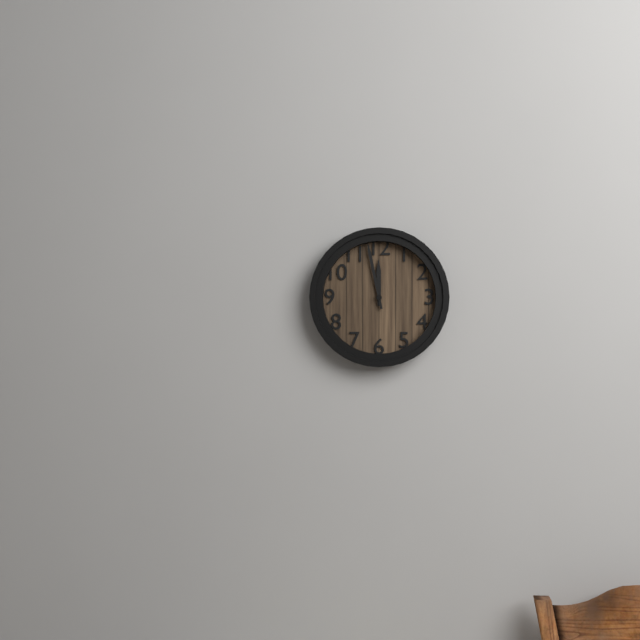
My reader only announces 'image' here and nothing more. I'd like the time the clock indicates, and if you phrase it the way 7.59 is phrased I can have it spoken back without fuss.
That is 11.58
